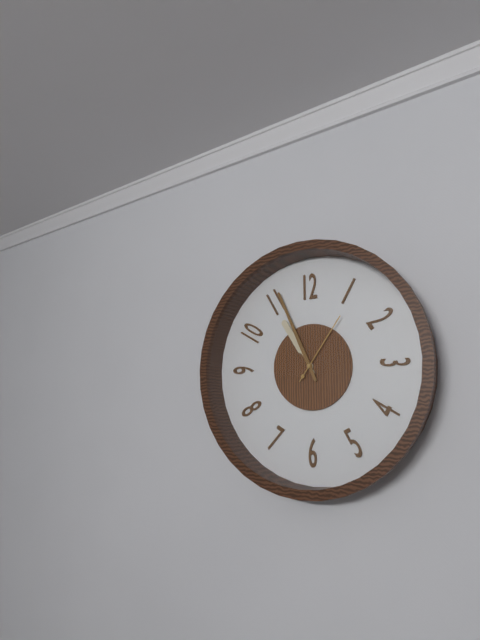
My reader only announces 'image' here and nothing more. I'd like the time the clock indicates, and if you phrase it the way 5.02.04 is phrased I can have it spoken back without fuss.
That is 10.56.06
